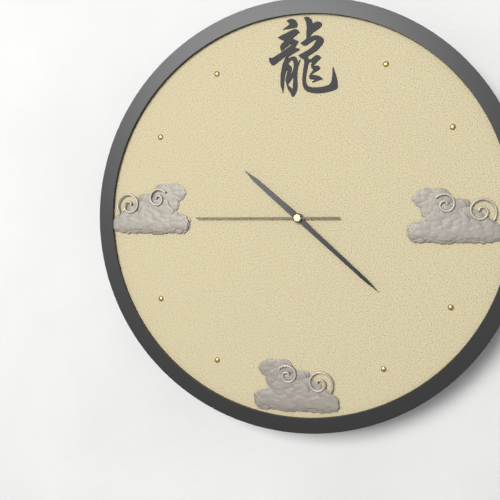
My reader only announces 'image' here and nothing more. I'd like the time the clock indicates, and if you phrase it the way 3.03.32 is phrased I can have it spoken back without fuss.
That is 10.22.45
